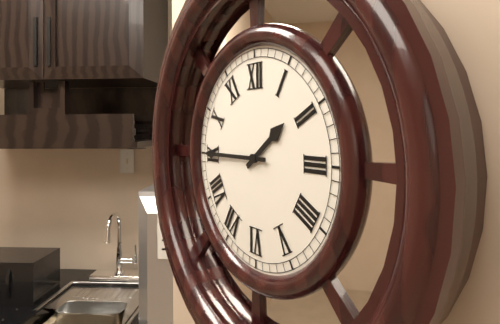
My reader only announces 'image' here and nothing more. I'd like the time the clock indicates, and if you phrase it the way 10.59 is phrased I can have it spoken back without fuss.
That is 1.45
